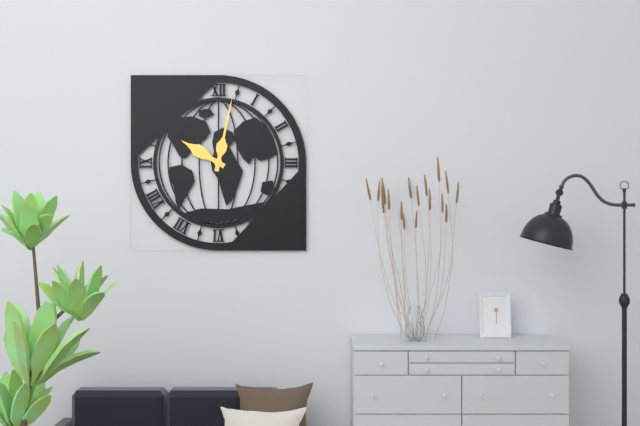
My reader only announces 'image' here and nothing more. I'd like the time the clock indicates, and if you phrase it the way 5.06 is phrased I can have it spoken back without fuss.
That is 10.02
